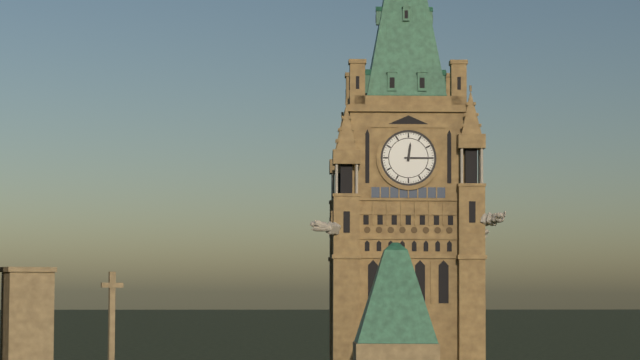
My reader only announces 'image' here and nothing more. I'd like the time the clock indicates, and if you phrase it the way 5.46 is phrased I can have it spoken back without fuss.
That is 12.15
